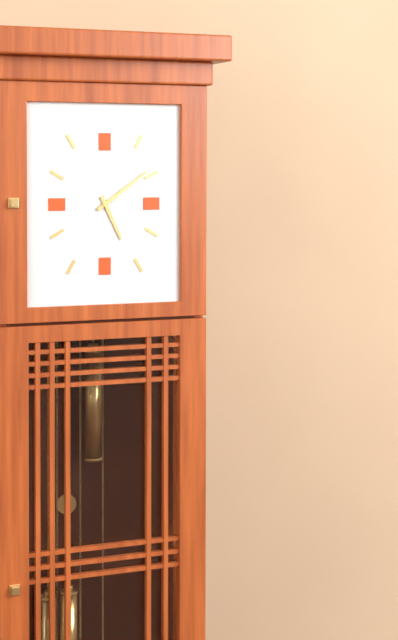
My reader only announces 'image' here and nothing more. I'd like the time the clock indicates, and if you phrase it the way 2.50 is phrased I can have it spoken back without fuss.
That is 5.09
